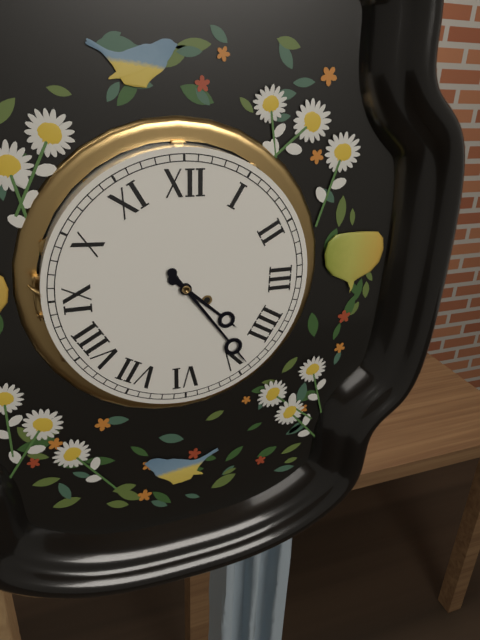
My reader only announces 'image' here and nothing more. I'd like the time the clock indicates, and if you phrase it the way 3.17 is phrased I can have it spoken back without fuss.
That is 4.24
